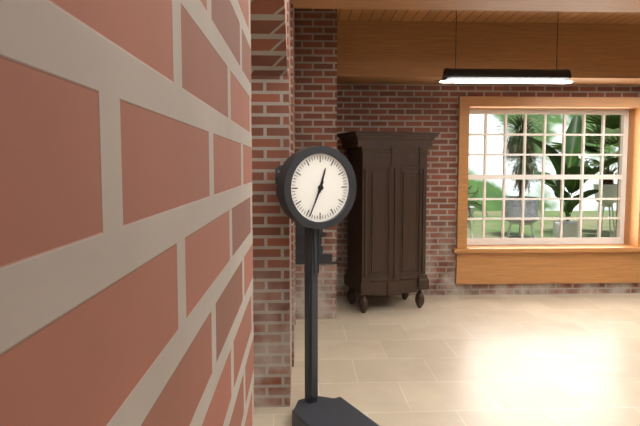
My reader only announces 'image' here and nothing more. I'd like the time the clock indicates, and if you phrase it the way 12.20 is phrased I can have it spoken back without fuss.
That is 12.34
